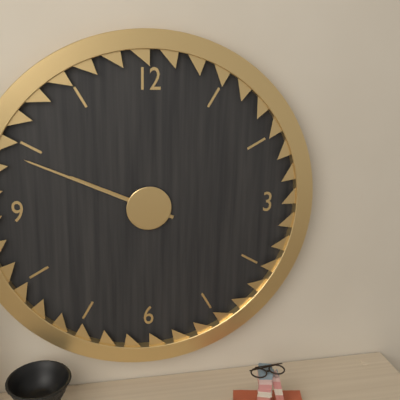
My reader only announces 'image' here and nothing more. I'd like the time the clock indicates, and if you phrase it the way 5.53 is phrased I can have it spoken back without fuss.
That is 9.49
